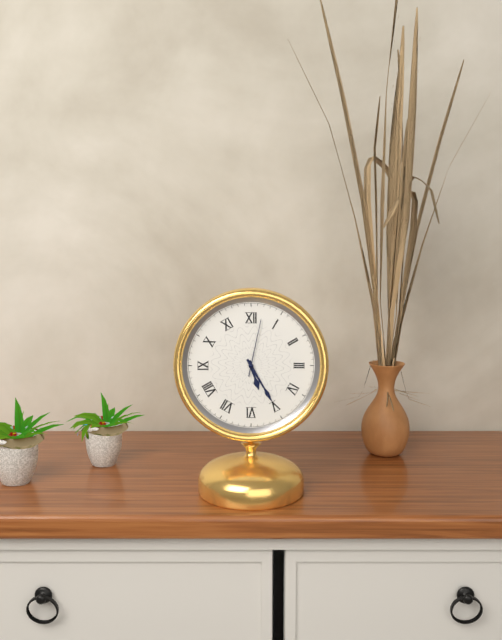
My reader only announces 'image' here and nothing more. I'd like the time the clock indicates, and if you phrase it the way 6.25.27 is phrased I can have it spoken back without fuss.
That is 5.25.02
